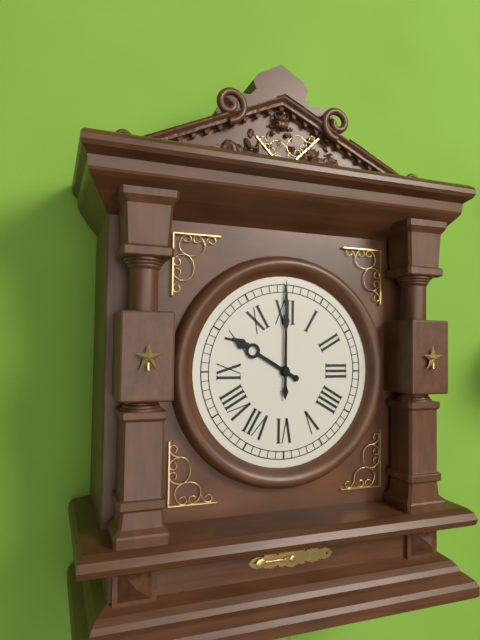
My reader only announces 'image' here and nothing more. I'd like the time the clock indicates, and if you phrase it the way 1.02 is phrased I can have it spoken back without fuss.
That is 10.00
